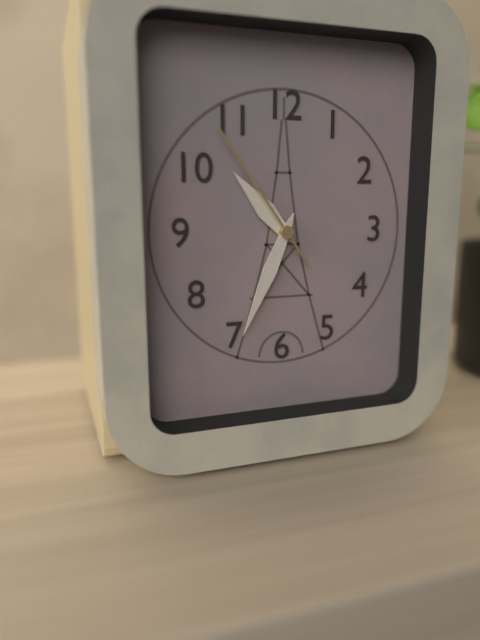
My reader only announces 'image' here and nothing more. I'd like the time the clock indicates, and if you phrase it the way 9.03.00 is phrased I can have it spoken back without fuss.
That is 10.34.54
